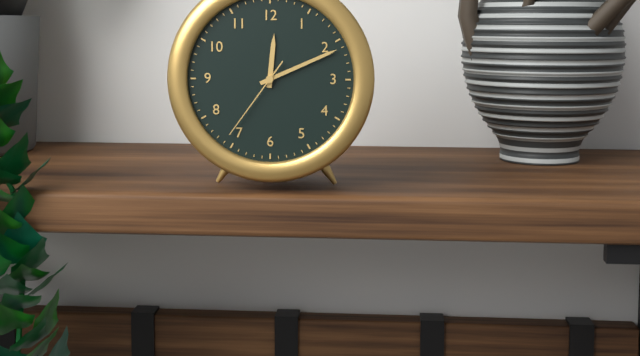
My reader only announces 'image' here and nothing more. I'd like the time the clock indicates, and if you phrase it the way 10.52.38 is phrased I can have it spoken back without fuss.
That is 12.11.36
